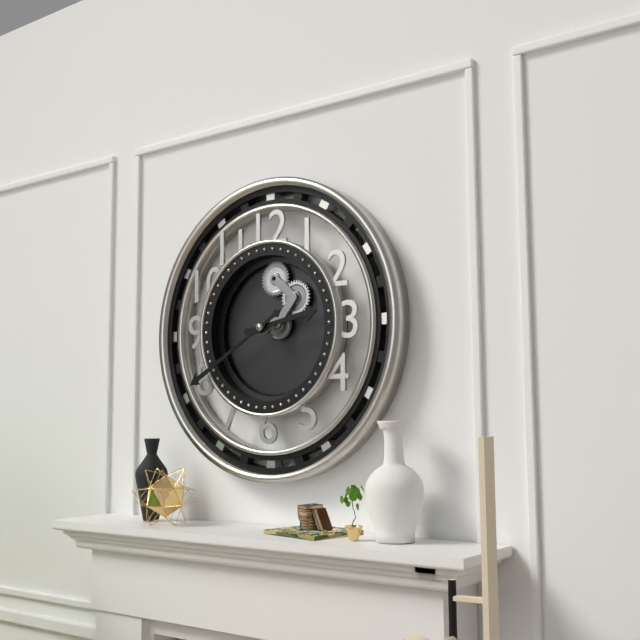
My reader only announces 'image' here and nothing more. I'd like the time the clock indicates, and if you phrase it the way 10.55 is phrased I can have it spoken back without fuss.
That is 2.40
